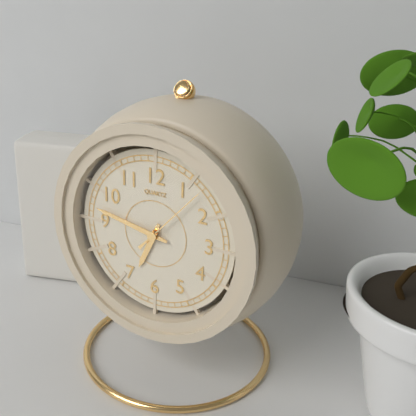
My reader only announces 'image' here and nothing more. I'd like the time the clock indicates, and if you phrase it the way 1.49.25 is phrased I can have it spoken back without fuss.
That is 6.47.07
